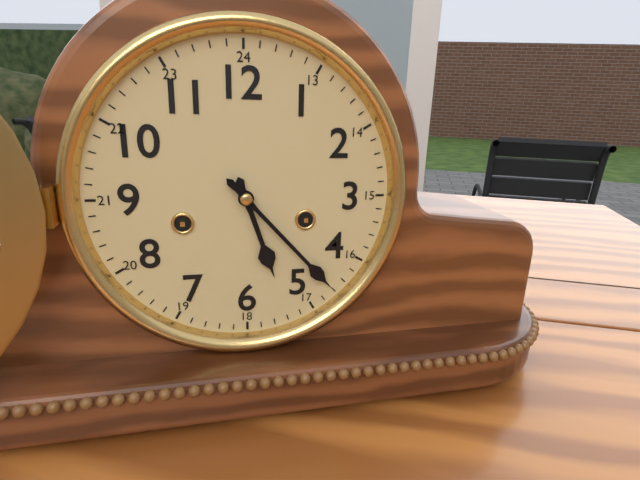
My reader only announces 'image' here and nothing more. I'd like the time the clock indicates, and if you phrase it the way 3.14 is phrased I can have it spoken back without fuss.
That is 5.23
